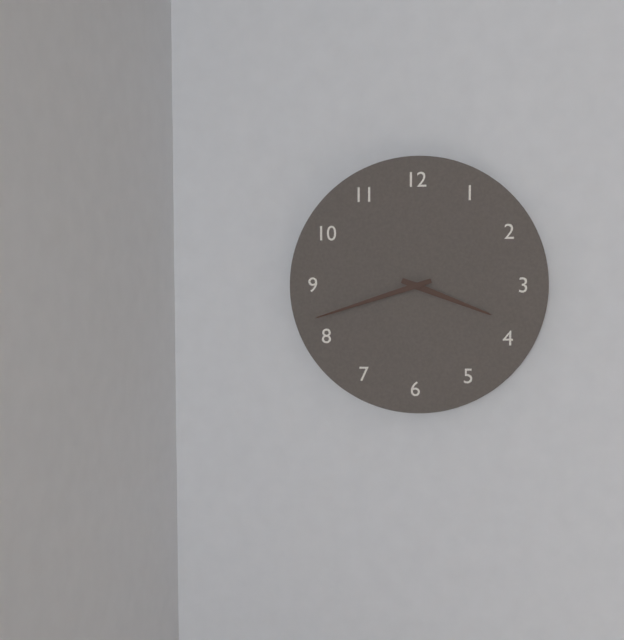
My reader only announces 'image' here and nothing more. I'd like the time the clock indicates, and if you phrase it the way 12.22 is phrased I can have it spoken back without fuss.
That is 3.42
